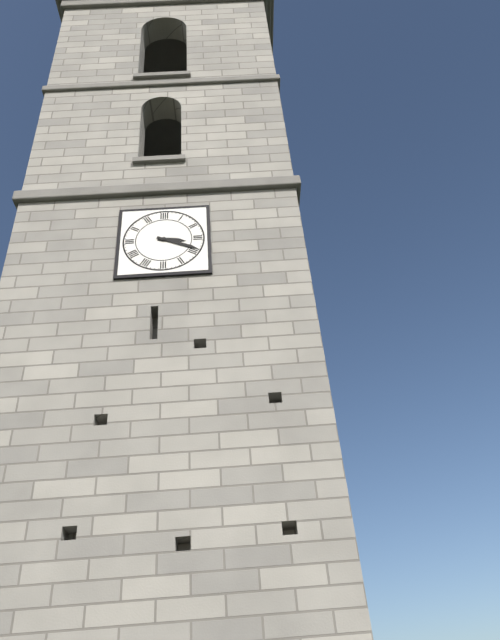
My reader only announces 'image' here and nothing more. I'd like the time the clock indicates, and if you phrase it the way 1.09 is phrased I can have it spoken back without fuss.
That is 3.19
